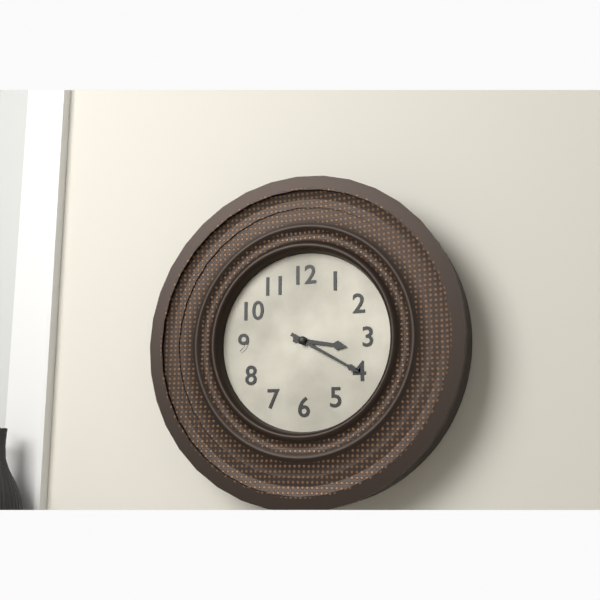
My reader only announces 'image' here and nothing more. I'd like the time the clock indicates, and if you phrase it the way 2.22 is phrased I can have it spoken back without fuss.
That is 3.20
